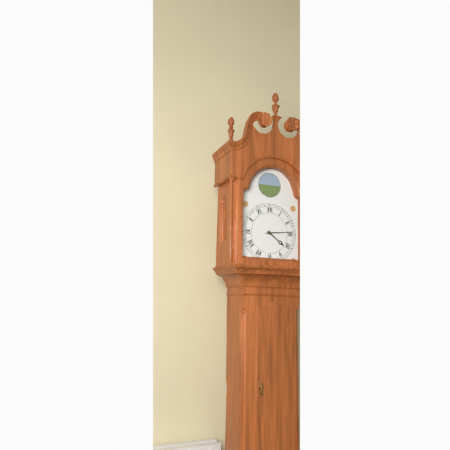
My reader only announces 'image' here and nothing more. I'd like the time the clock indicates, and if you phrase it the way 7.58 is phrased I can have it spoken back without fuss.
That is 4.14
